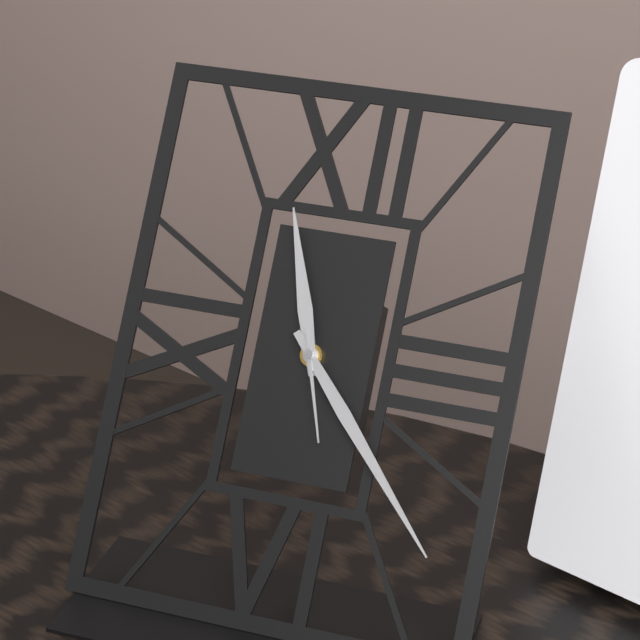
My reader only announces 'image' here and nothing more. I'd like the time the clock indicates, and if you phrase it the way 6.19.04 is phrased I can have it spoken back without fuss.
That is 11.23.27
